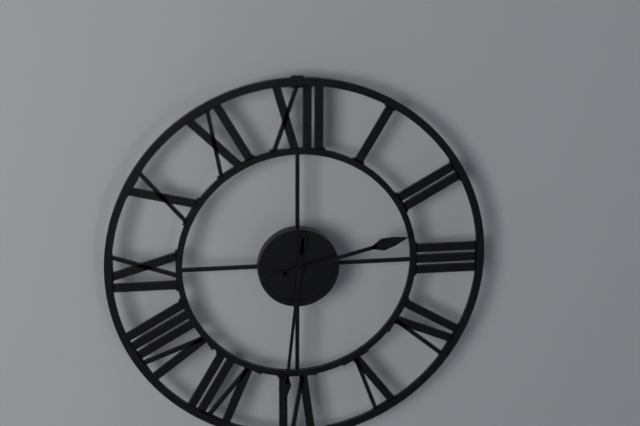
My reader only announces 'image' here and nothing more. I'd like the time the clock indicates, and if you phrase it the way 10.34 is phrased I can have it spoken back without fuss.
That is 2.31
